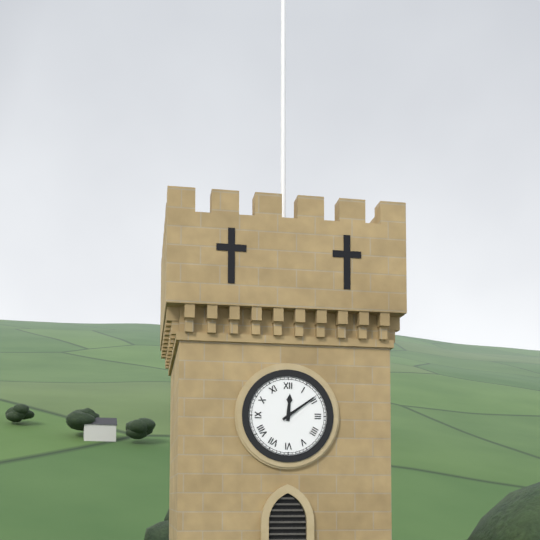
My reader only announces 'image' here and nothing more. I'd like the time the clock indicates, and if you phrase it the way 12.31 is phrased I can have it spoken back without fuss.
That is 12.09
